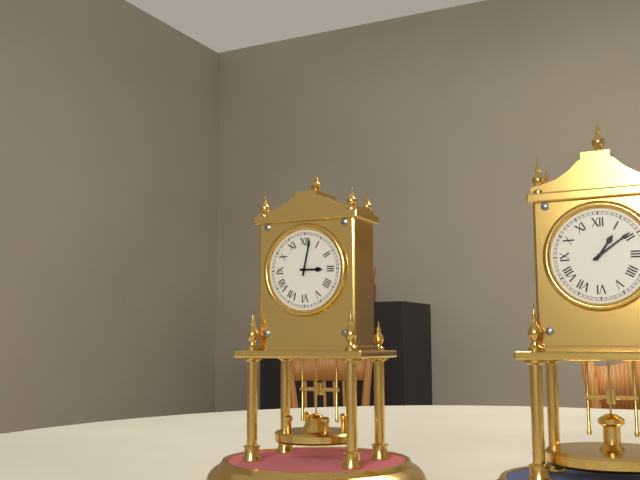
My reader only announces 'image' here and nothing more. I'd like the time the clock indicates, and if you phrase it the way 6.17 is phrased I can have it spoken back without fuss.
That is 3.02
